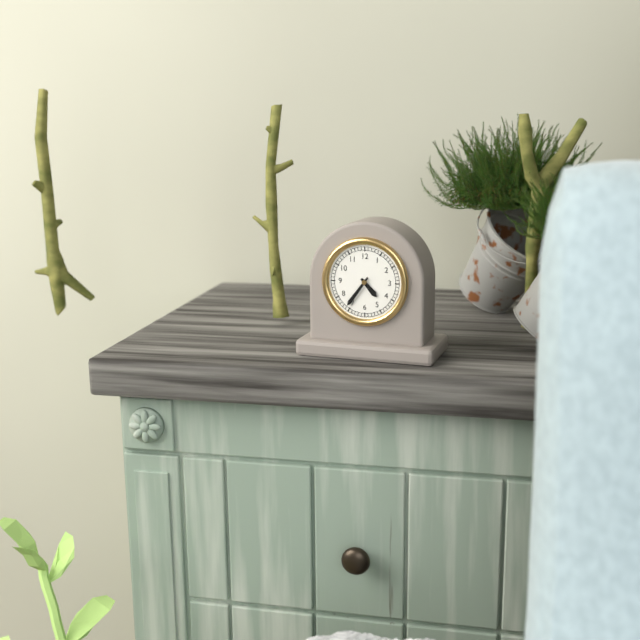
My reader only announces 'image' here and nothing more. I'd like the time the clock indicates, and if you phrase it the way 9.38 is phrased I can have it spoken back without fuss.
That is 4.36
